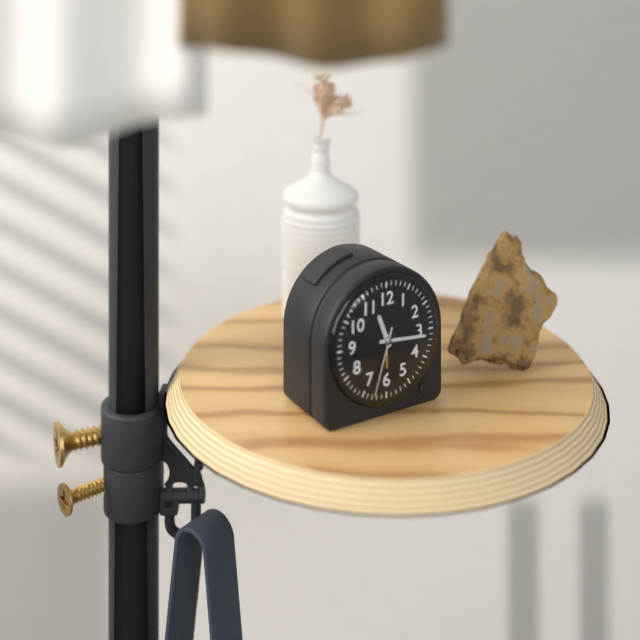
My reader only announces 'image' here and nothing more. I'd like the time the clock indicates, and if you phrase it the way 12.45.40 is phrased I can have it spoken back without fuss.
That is 11.16.33
